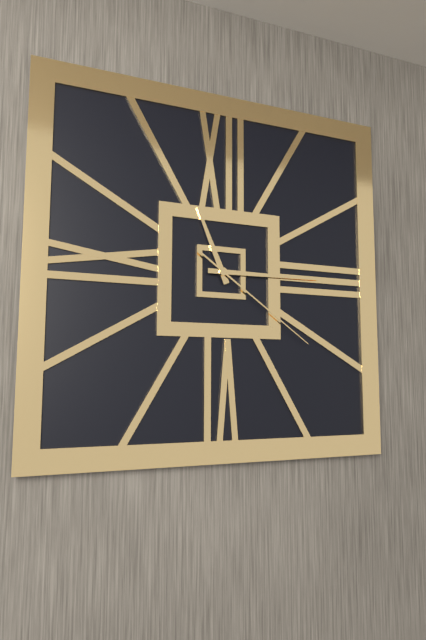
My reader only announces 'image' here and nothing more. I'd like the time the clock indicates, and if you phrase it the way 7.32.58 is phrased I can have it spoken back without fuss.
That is 11.15.21
